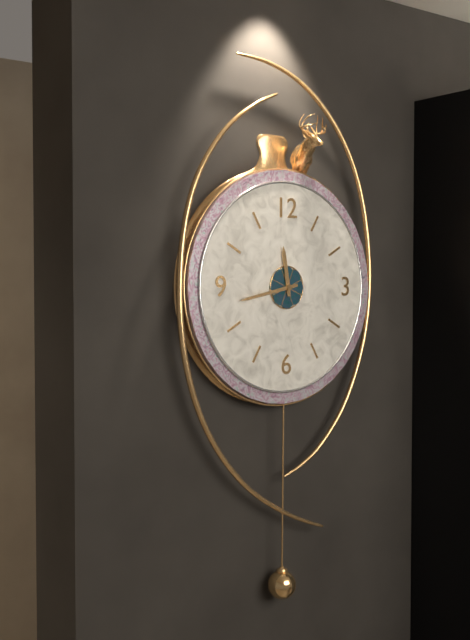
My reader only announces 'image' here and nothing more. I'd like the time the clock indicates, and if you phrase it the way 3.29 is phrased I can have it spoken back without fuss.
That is 11.43
